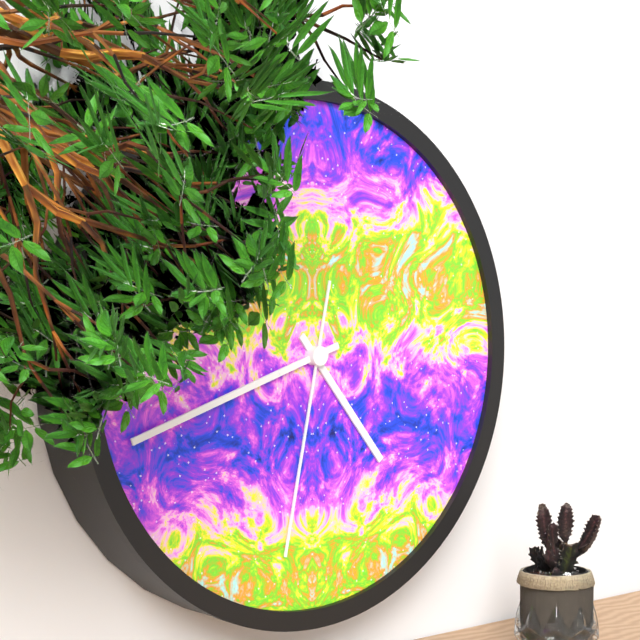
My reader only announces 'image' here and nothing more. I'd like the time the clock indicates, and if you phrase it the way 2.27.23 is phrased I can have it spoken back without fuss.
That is 4.42.32
